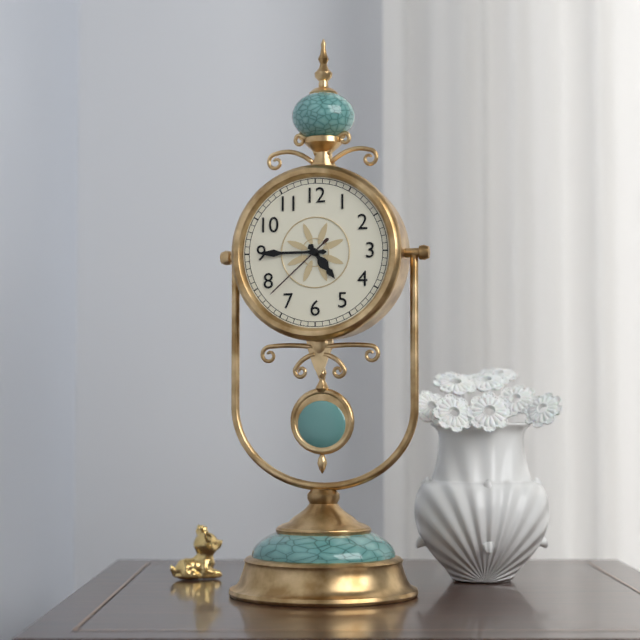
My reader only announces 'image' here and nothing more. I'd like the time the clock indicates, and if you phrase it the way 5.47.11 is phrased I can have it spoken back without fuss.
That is 4.45.38
